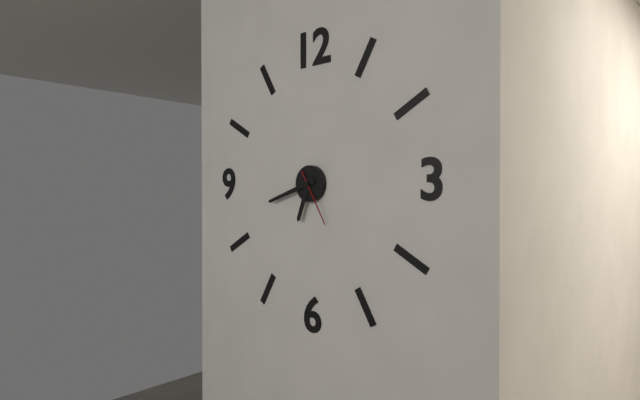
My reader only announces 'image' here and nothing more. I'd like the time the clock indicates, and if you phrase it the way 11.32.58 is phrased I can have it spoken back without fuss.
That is 6.42.25
